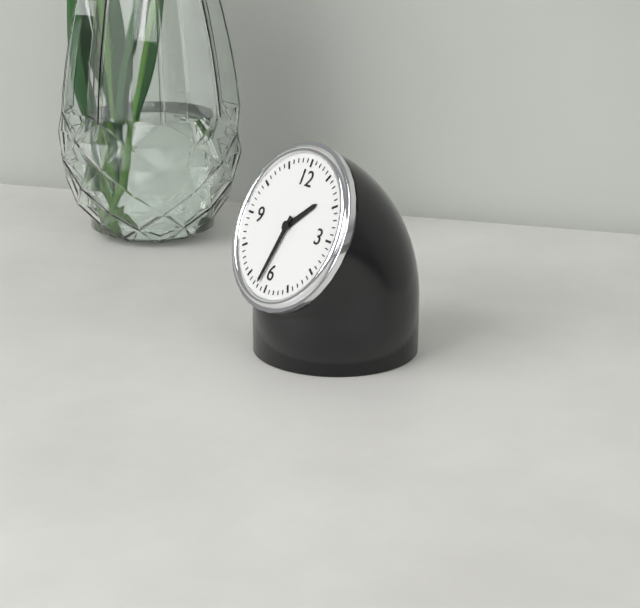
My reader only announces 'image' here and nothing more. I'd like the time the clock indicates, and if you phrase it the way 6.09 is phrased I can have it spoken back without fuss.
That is 1.32
